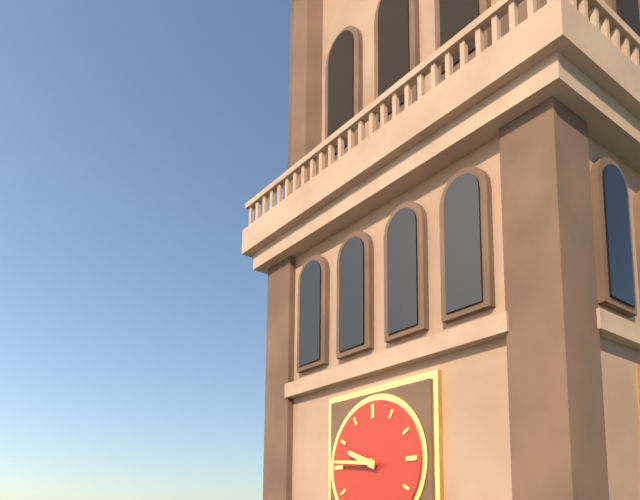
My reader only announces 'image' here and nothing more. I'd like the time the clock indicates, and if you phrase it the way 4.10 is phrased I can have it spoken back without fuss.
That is 9.46
